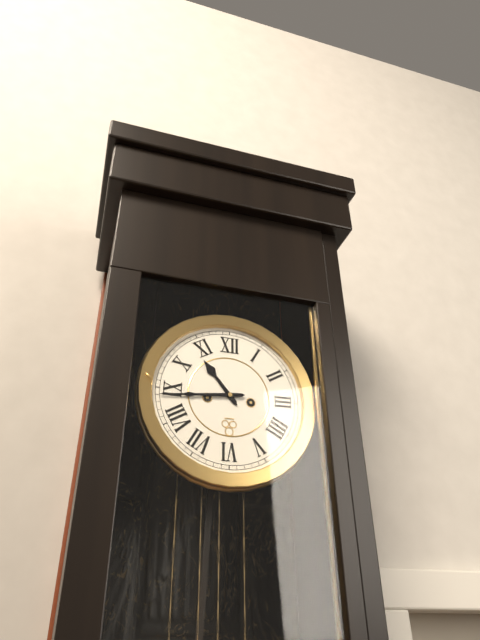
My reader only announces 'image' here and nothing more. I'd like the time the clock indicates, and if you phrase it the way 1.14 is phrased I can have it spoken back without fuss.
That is 10.44
